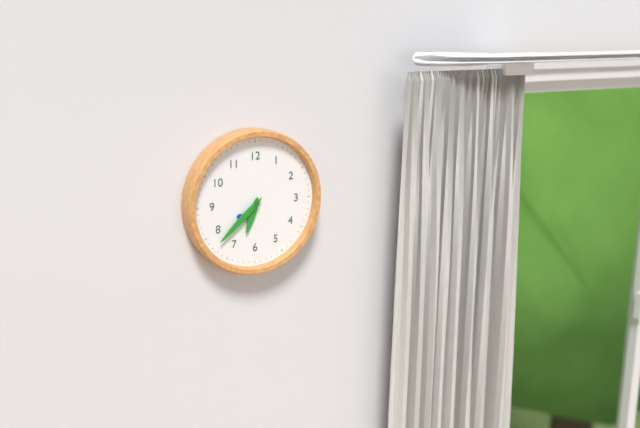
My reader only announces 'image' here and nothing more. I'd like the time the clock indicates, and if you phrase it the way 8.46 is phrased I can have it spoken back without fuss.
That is 6.38
